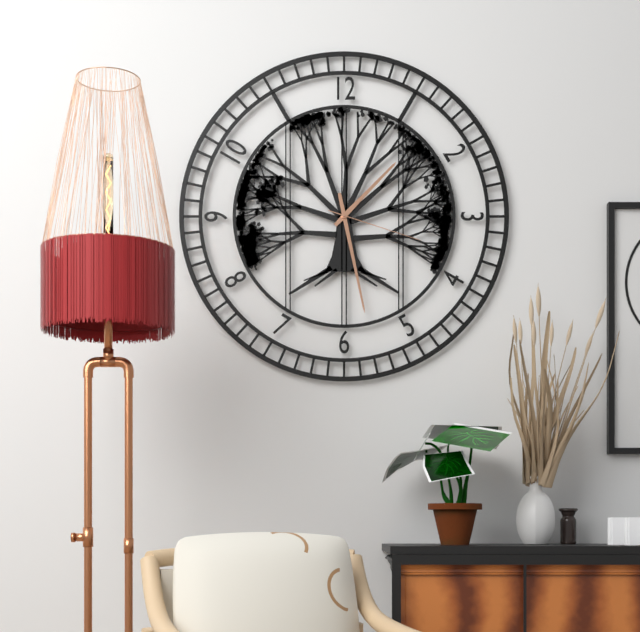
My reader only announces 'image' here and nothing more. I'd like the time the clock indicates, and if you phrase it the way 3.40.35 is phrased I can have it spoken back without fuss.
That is 1.28.18
